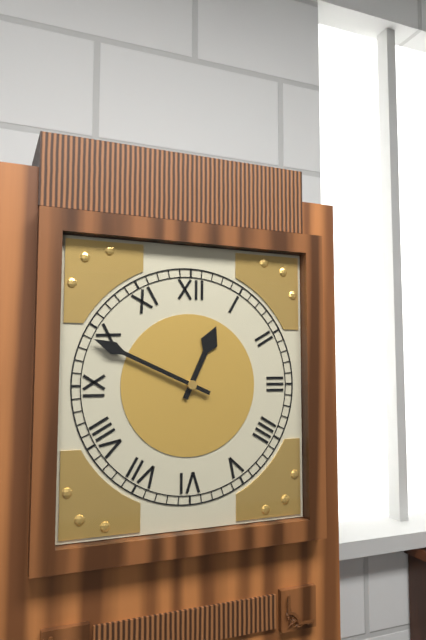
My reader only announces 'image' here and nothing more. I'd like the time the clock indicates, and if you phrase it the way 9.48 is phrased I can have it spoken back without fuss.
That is 12.49
